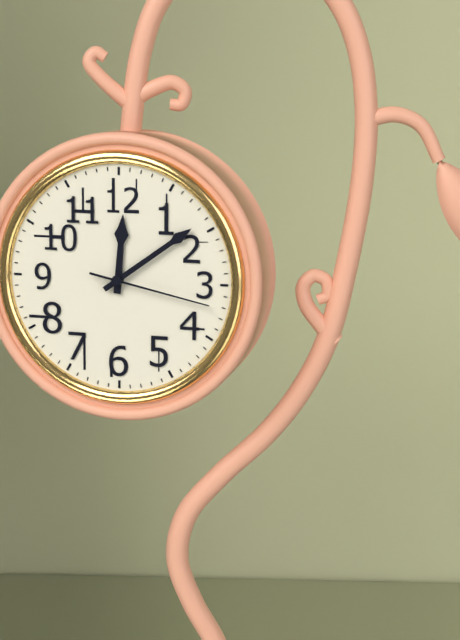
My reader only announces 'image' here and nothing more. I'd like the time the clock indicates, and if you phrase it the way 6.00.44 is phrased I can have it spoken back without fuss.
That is 12.09.17
